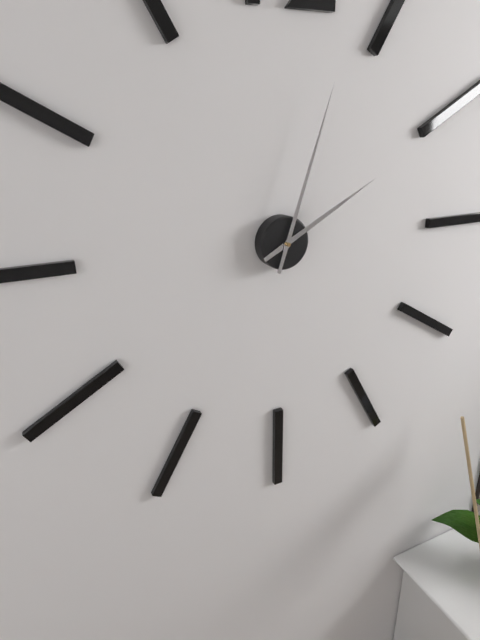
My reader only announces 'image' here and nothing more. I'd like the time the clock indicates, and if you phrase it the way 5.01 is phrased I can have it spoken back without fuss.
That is 2.03
